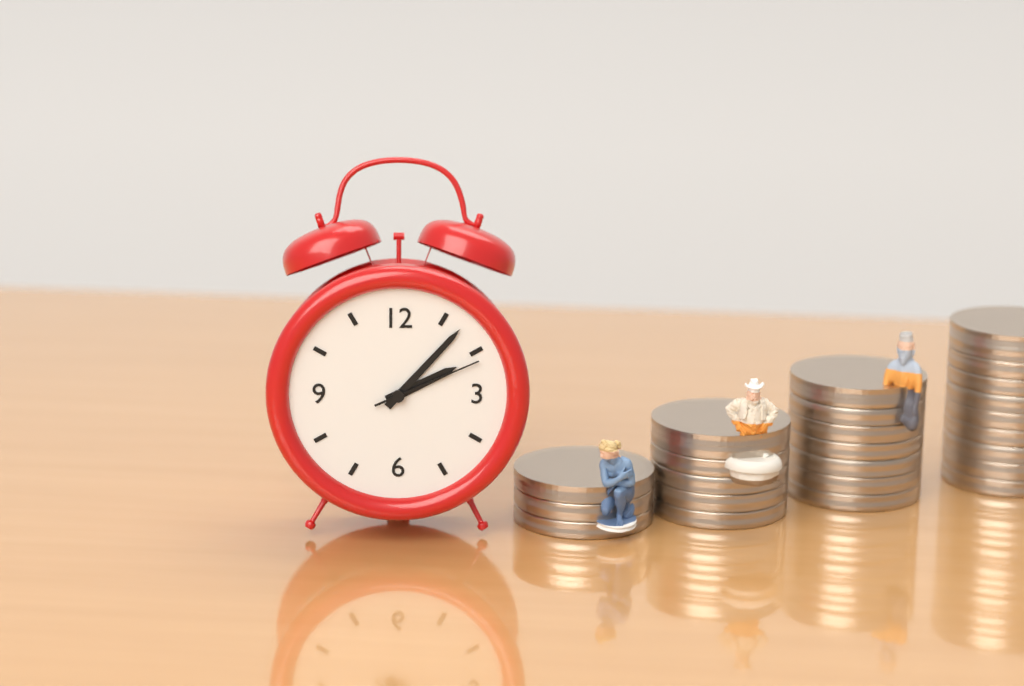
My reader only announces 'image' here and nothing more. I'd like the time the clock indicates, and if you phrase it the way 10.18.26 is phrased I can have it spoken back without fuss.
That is 2.07.11
